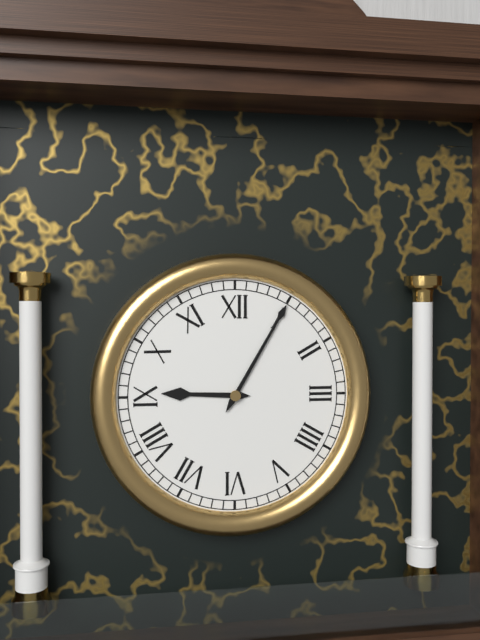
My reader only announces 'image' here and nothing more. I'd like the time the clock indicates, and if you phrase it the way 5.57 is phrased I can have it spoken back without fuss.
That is 9.05
